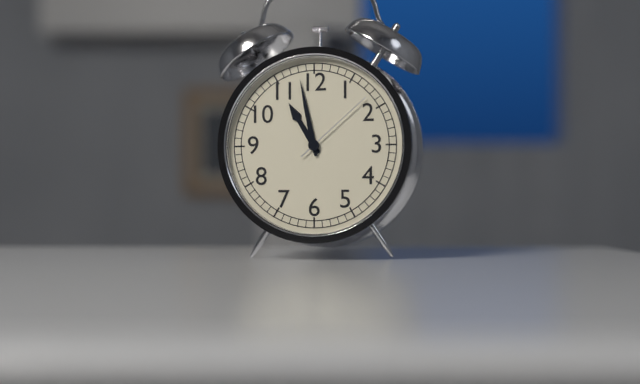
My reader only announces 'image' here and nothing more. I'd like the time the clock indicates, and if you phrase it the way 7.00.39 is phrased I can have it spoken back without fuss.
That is 10.58.08
